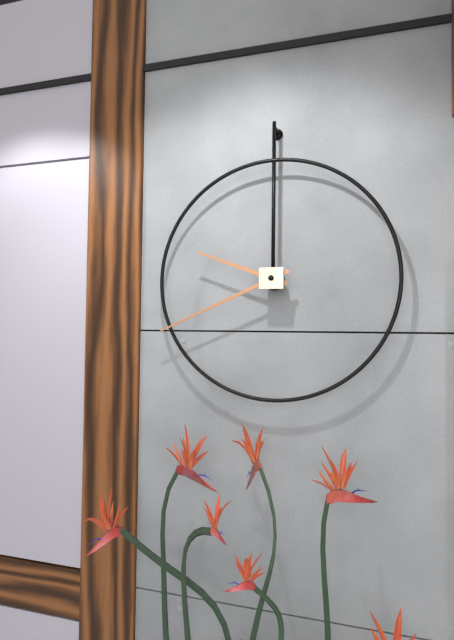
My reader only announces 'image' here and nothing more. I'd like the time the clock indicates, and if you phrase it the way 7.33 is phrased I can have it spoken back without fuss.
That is 9.41
